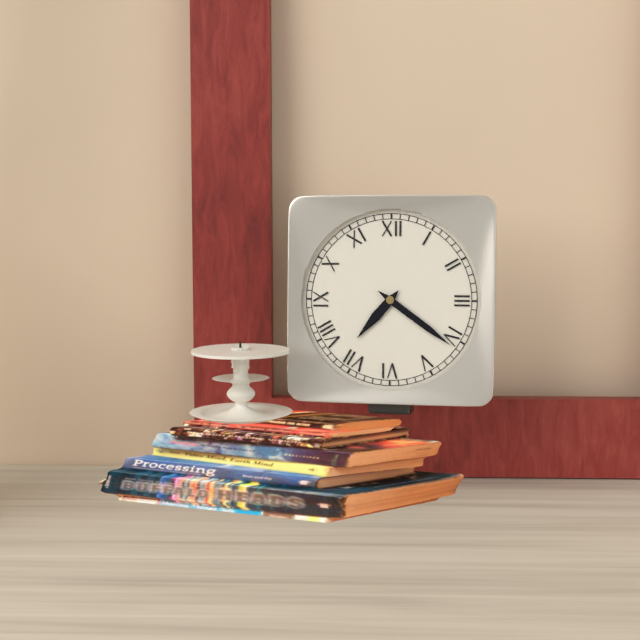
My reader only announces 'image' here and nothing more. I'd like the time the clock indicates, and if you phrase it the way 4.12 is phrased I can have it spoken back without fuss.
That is 7.21
